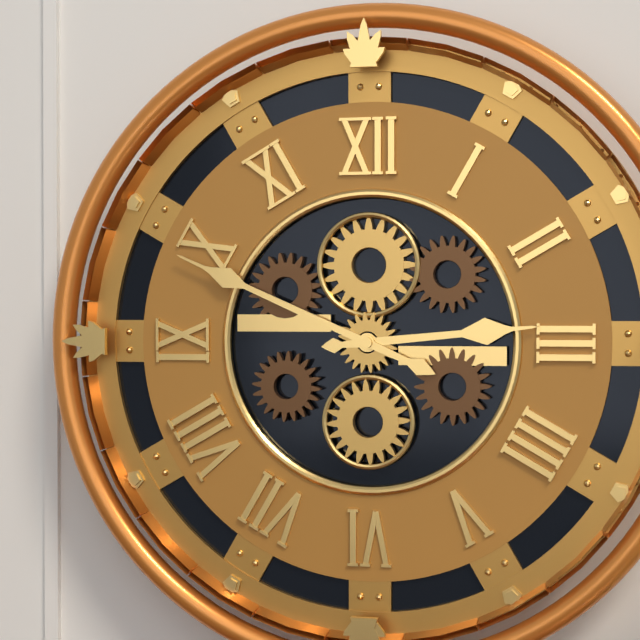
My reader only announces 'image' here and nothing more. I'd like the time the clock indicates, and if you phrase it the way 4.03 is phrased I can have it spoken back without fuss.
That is 2.49
